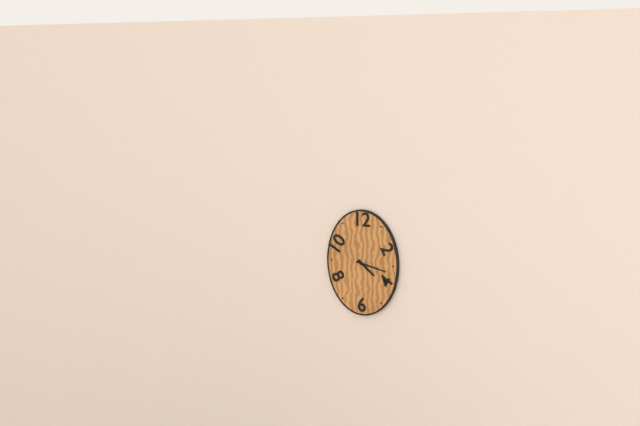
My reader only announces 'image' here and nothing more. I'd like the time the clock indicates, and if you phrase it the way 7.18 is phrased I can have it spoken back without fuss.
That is 4.17
